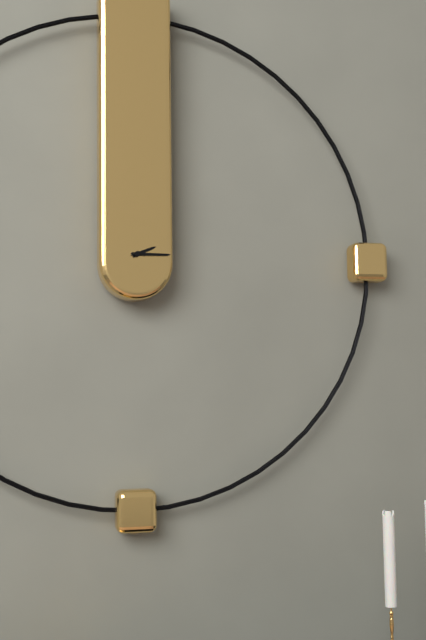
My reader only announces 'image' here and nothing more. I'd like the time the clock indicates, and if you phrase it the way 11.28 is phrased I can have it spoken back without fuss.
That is 2.15
